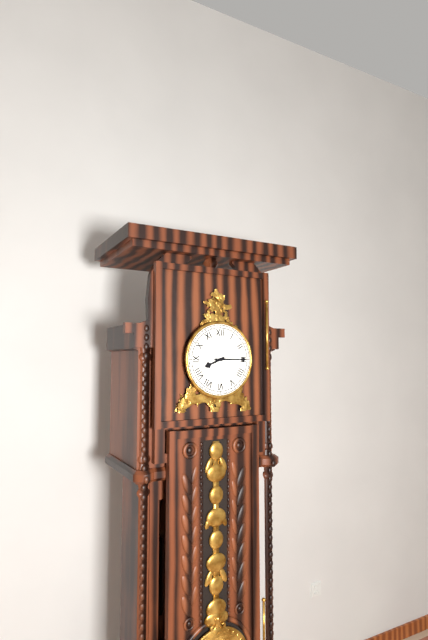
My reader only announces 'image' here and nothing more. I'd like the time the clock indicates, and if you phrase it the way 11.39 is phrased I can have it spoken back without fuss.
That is 8.15
